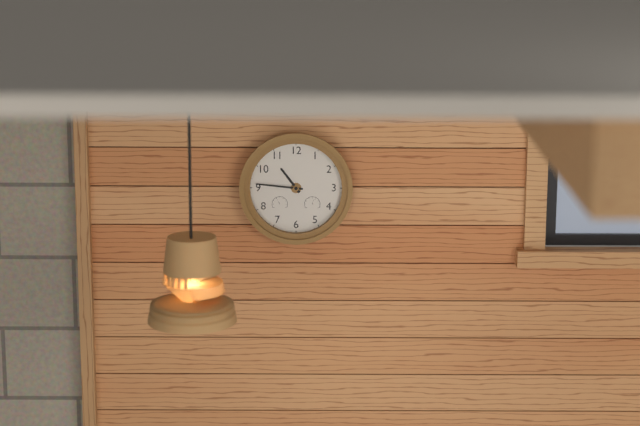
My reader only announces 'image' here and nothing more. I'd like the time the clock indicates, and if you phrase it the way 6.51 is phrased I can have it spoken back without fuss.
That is 10.46
